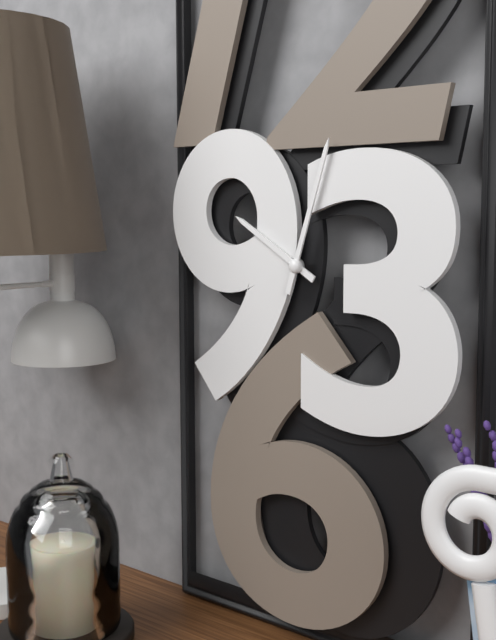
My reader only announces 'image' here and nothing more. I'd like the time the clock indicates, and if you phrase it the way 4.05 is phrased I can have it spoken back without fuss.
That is 10.03
